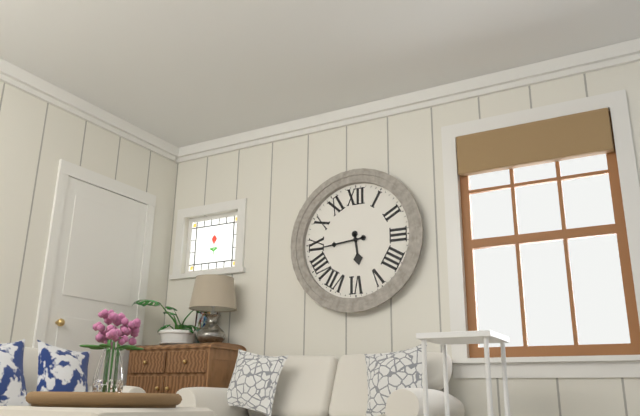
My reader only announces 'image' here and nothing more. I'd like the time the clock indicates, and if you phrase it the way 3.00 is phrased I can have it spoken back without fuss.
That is 5.44
